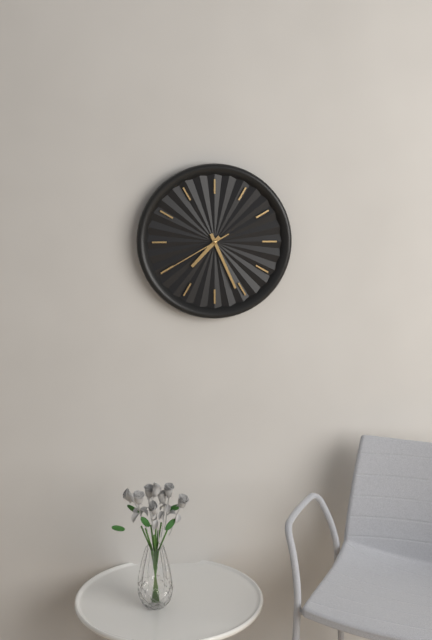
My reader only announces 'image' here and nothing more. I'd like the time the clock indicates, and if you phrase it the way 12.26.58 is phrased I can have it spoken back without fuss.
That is 7.26.40
